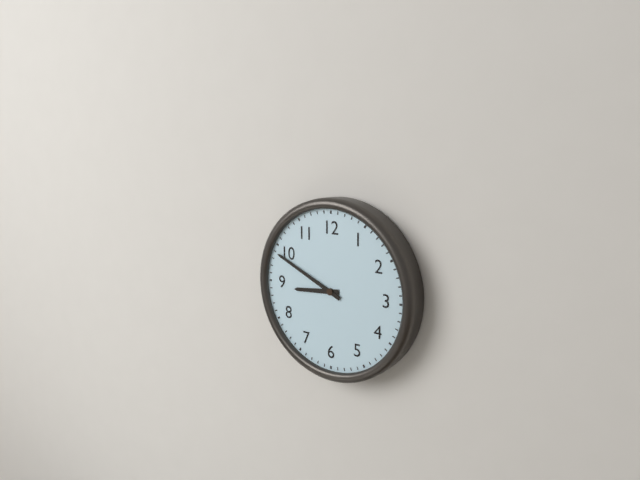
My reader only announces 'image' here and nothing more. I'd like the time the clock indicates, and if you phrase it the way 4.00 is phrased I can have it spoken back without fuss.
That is 8.49
